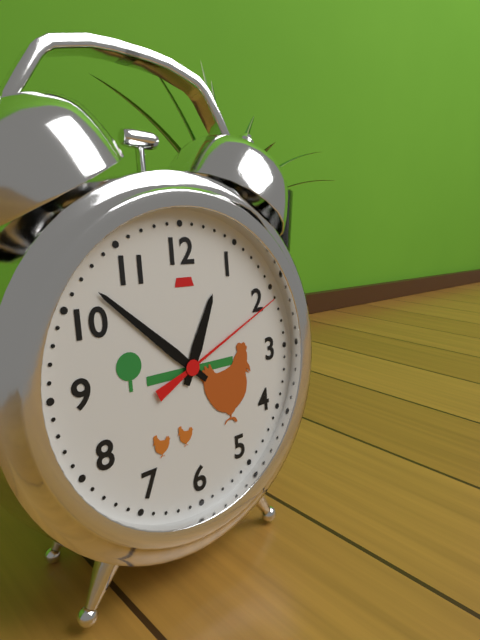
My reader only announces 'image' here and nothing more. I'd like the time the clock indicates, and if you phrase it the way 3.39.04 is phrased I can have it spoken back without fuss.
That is 12.52.11
